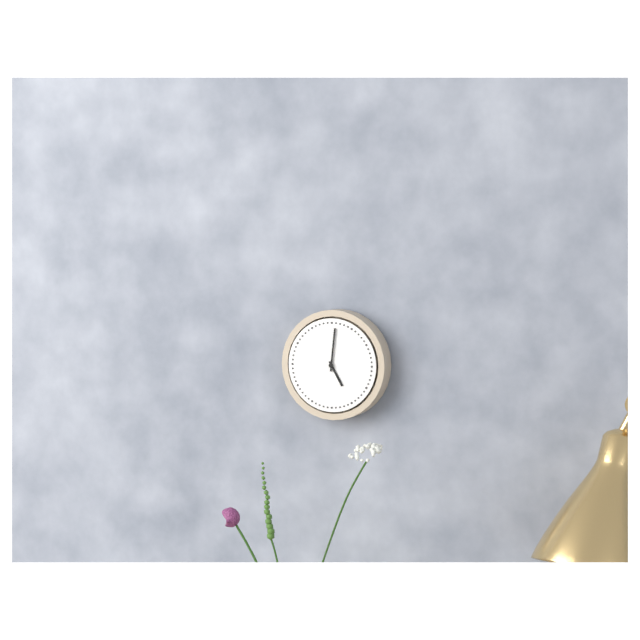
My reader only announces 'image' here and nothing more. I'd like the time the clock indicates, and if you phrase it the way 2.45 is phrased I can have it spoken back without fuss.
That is 5.01
